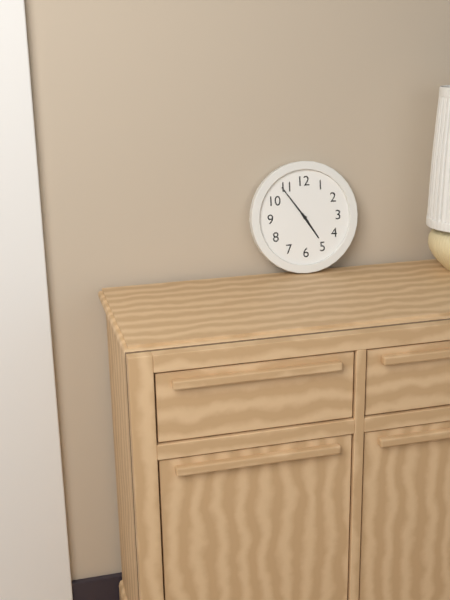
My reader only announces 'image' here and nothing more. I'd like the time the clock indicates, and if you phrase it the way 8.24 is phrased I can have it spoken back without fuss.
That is 4.54
